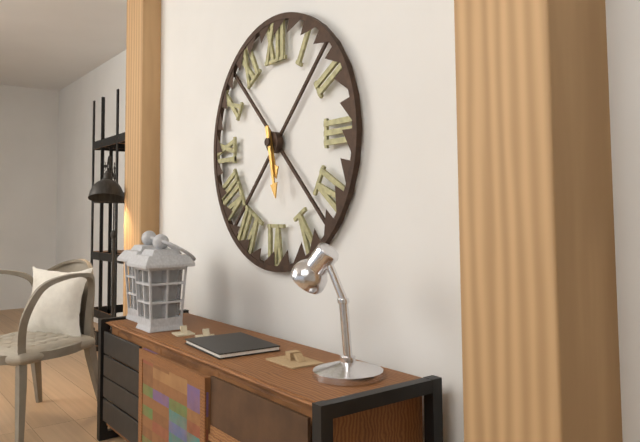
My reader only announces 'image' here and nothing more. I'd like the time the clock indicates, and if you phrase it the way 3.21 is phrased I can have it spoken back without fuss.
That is 5.28
